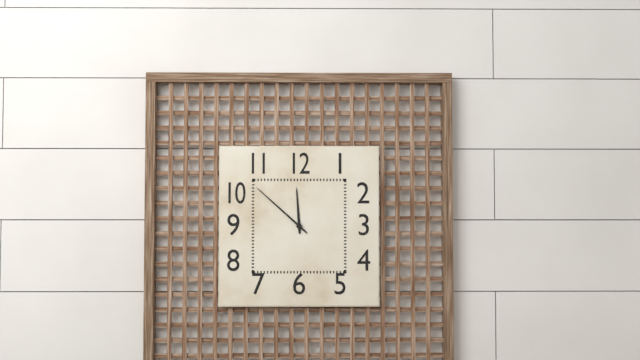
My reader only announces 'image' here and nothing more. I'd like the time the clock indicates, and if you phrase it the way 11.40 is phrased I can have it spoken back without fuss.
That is 11.52
